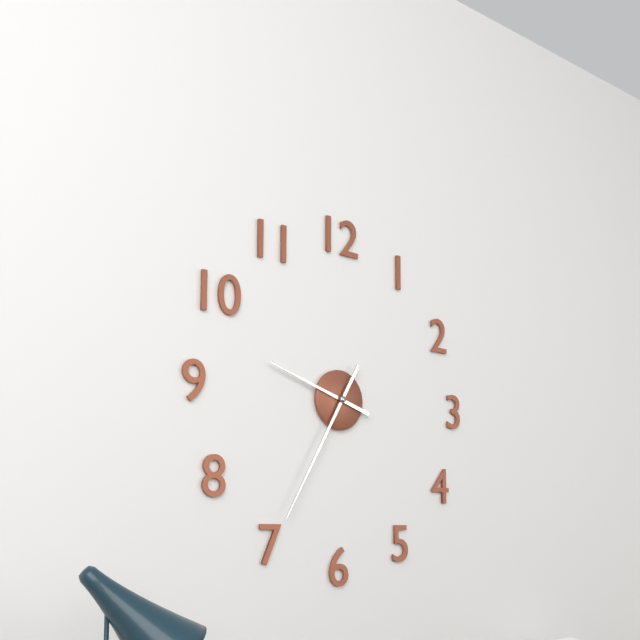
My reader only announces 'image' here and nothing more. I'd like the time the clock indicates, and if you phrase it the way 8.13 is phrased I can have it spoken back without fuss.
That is 9.35
